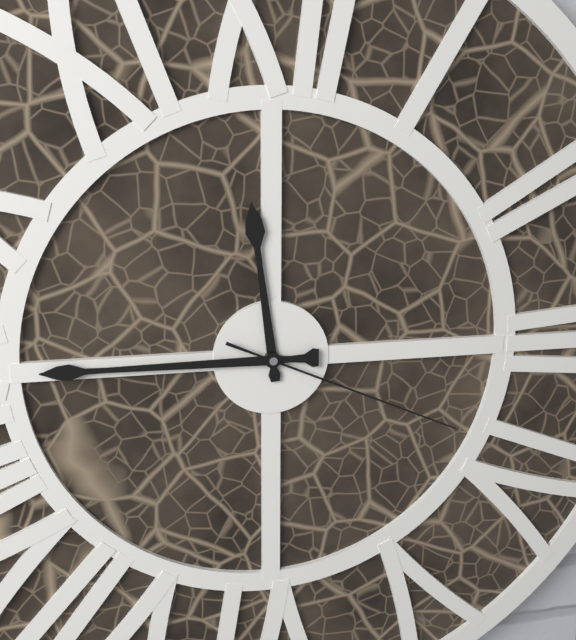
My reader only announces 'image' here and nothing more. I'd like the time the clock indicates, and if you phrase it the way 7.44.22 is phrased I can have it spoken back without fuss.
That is 11.45.19
